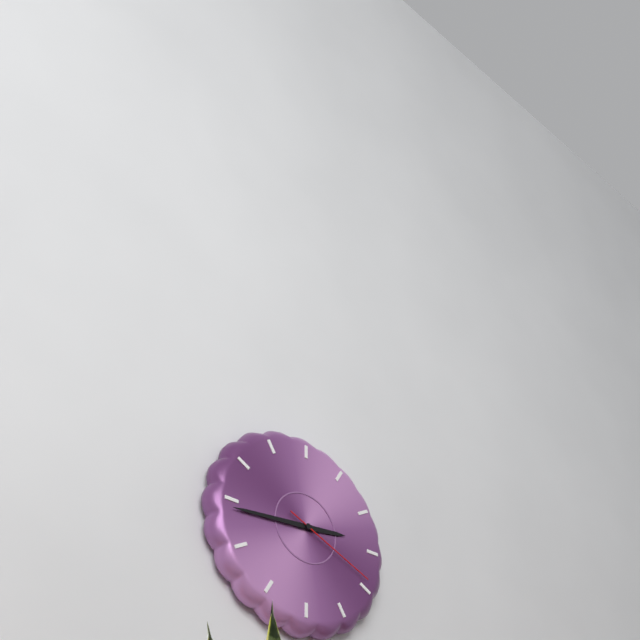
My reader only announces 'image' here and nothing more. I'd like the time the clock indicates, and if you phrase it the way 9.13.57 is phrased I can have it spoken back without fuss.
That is 2.44.19
